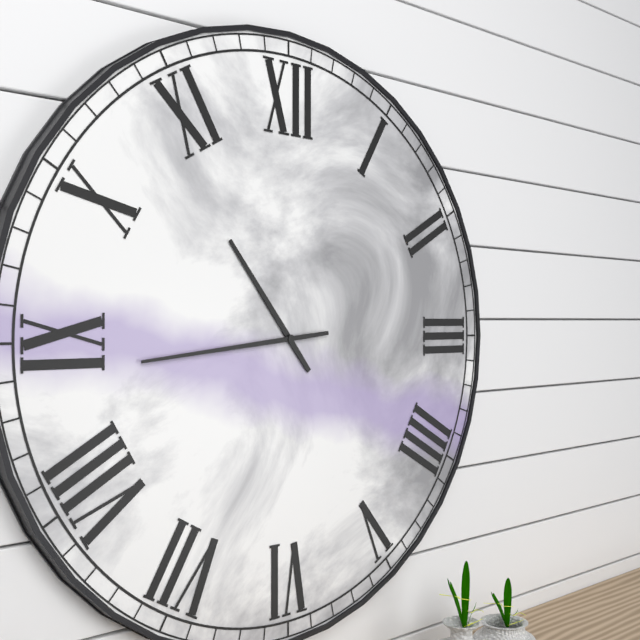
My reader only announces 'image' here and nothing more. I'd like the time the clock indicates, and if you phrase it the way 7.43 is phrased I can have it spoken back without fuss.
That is 10.44
